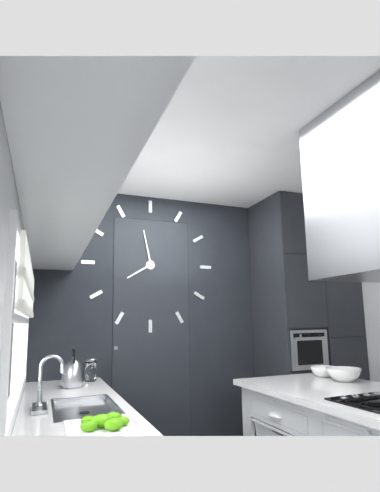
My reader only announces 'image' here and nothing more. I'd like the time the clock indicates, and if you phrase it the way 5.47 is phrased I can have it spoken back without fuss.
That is 7.58
